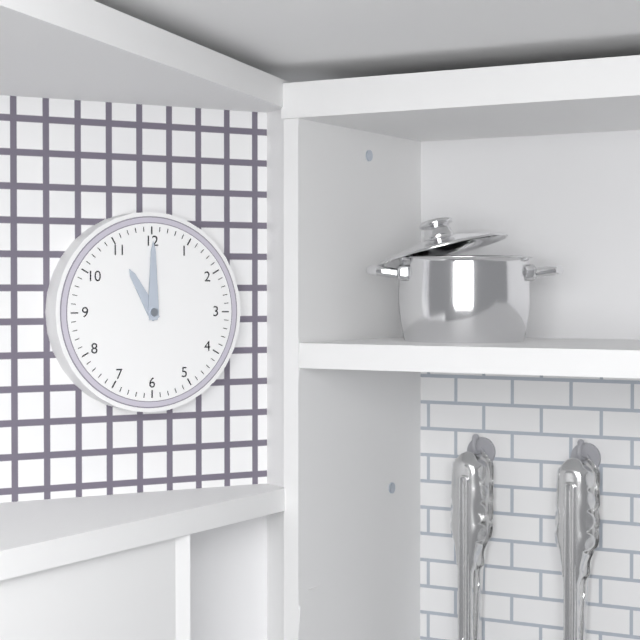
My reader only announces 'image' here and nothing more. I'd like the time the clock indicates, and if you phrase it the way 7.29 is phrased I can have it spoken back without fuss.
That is 11.00
